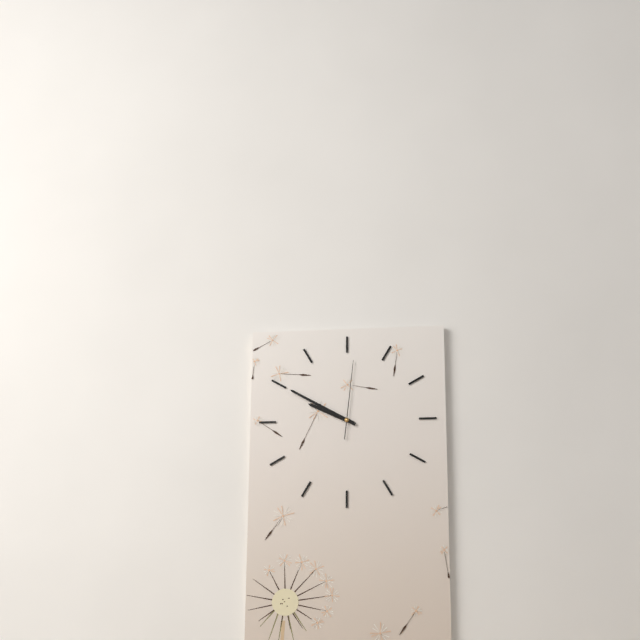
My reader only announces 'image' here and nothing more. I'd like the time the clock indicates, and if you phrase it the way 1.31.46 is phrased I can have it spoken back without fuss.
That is 9.50.01
